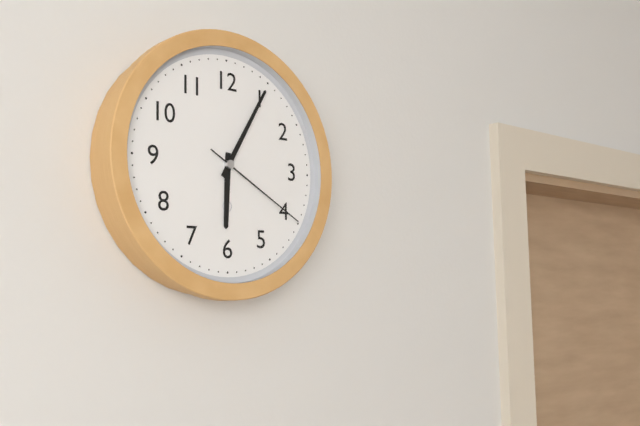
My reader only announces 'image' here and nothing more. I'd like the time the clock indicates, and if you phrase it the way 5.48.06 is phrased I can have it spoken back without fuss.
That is 6.05.20
